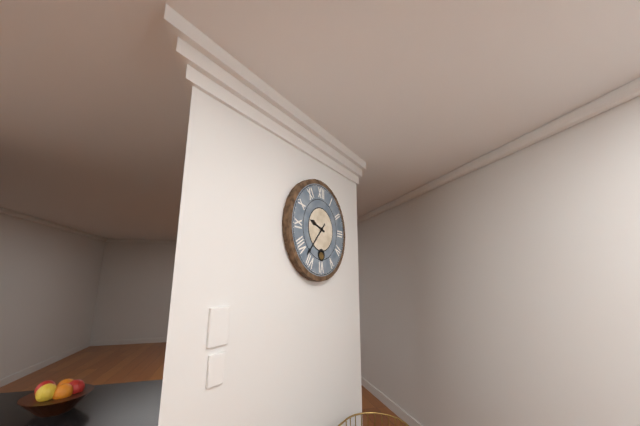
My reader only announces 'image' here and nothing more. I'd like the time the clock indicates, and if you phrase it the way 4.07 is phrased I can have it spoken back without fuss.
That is 9.37
